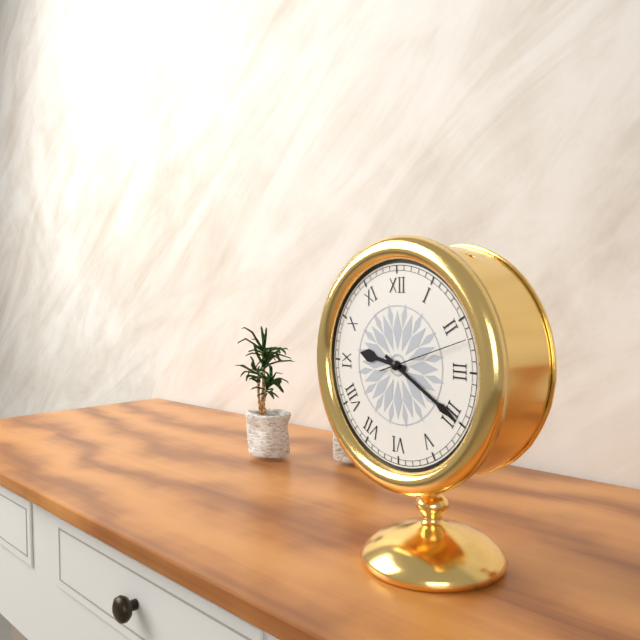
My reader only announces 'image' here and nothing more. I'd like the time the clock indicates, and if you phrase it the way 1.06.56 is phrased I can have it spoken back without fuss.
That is 9.20.12
